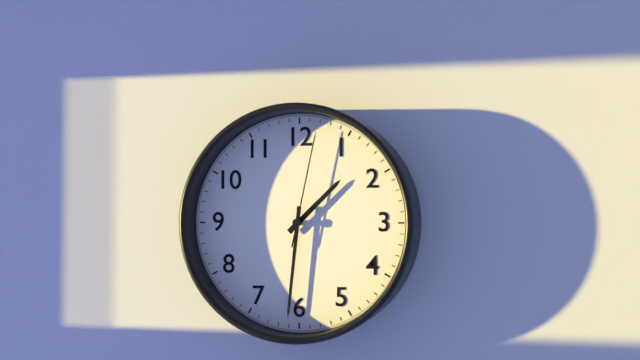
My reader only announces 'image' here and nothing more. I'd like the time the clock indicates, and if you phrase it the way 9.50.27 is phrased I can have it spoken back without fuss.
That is 1.31.02
